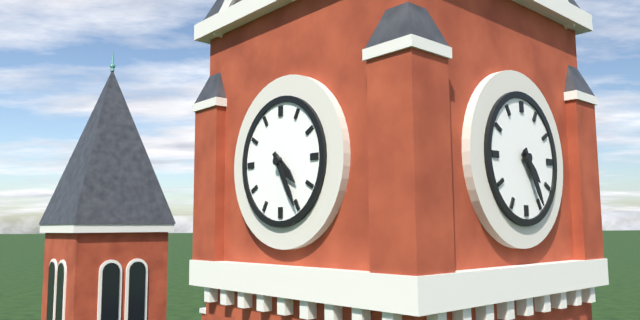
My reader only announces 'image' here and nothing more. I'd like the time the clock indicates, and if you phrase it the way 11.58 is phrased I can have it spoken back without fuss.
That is 4.25
